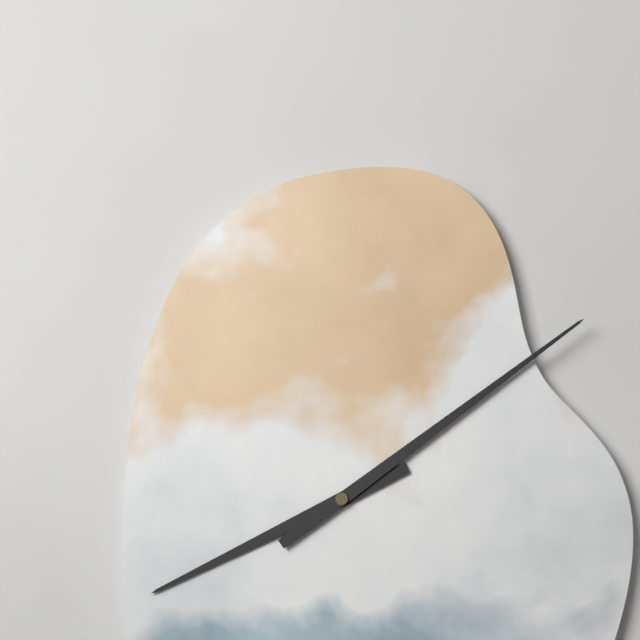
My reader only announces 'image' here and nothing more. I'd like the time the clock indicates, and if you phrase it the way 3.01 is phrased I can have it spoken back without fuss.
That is 8.09
